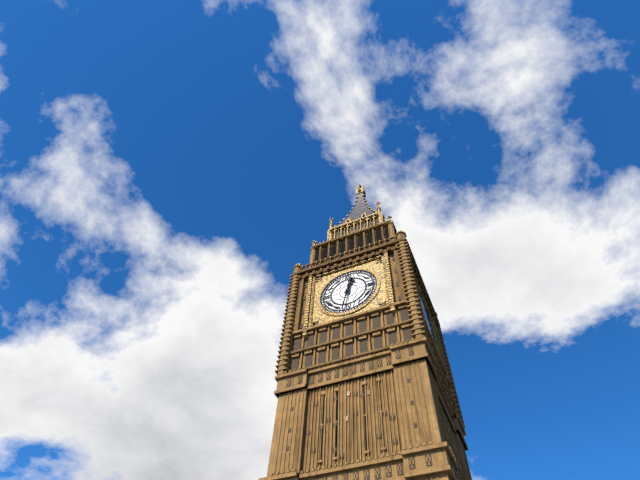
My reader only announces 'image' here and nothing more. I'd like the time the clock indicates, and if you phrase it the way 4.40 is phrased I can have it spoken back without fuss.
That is 12.32
